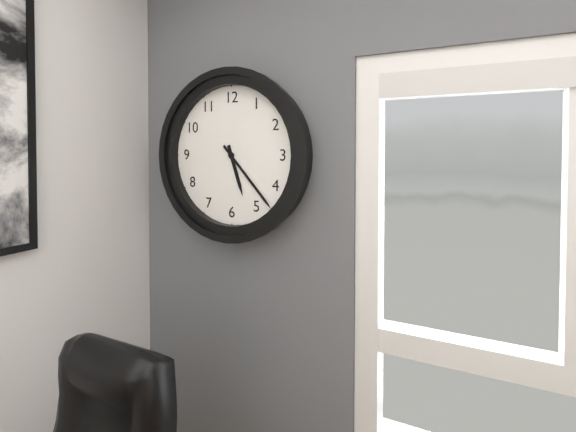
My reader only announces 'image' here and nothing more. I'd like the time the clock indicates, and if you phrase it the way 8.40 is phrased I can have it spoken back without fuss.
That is 5.23
